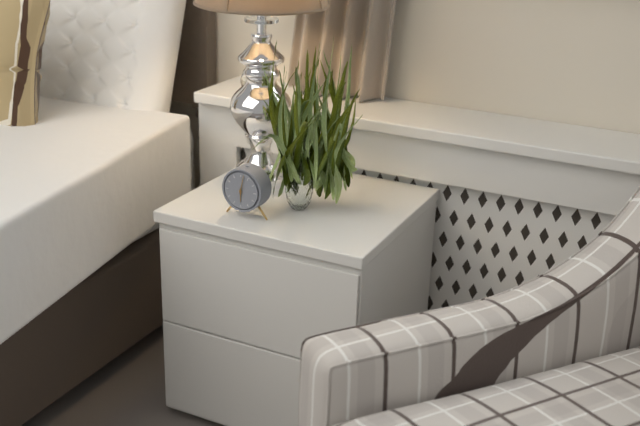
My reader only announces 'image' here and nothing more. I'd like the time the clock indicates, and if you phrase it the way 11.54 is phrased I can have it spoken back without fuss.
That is 6.02
